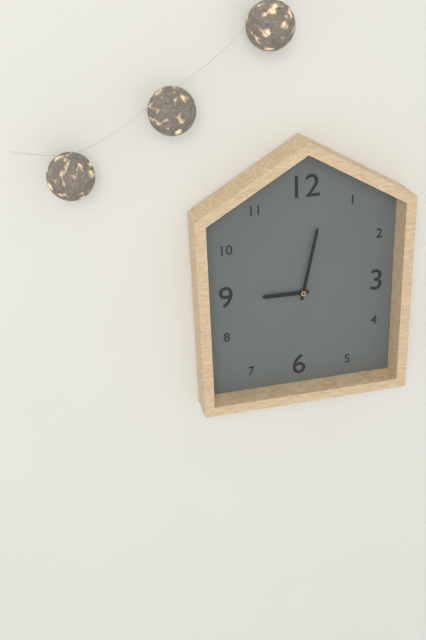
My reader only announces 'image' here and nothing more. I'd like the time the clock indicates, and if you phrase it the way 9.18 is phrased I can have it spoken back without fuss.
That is 9.02
